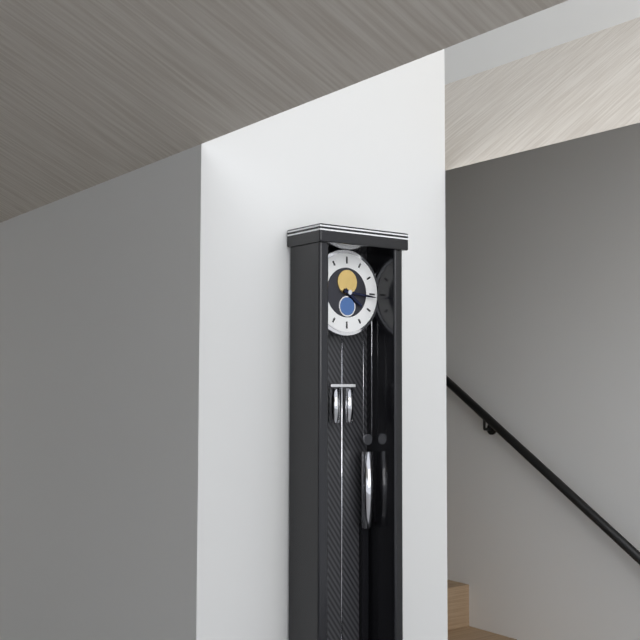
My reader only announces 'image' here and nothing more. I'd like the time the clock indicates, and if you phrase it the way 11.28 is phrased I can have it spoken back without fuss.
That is 4.16
